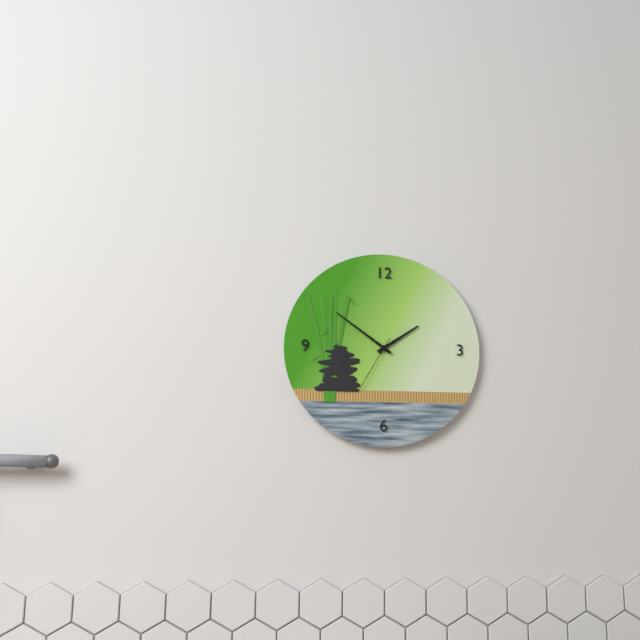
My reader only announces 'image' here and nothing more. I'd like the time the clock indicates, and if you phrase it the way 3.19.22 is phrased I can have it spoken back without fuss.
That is 1.51.35
